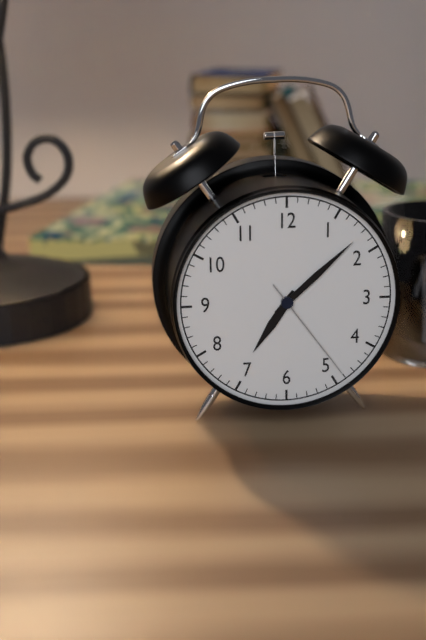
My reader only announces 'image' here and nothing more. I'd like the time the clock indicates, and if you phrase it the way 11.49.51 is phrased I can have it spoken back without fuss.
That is 7.08.24
